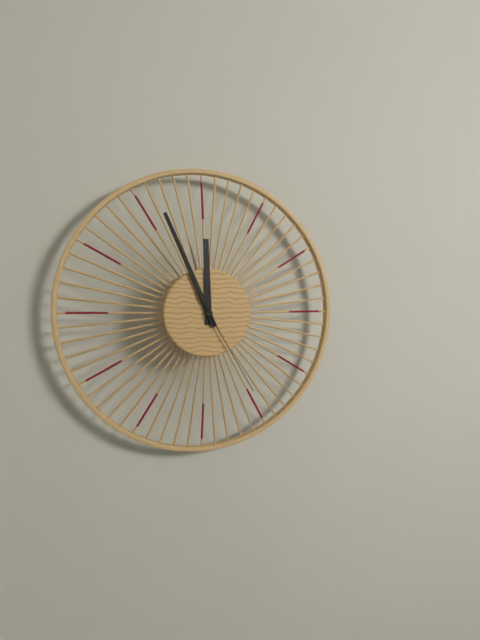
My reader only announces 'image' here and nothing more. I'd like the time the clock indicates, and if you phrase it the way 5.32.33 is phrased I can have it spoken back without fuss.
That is 11.56.25
